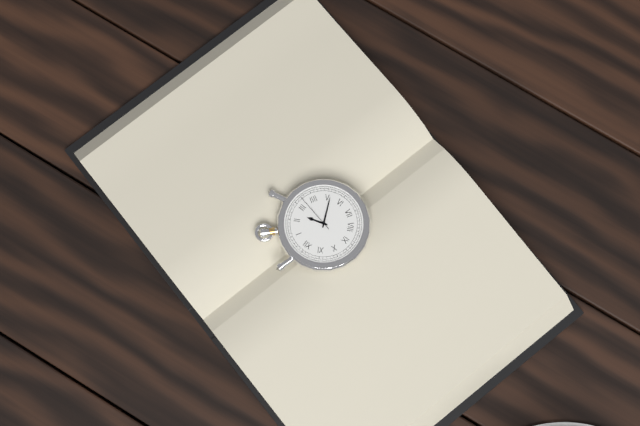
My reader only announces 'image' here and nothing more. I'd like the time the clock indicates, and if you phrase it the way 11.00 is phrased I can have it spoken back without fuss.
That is 2.26
